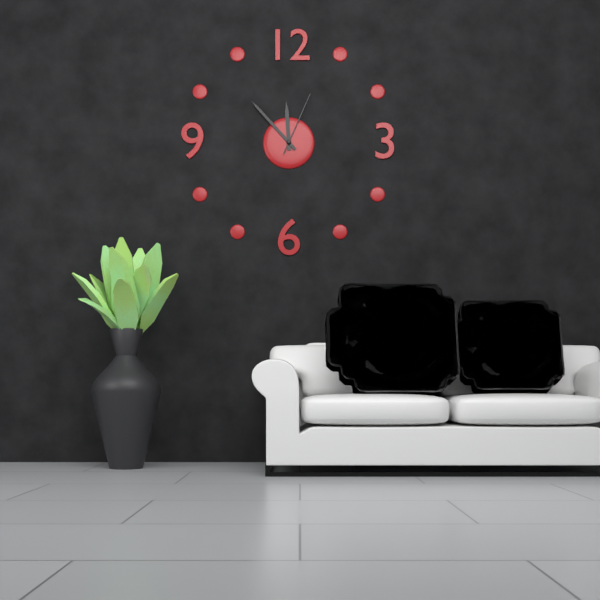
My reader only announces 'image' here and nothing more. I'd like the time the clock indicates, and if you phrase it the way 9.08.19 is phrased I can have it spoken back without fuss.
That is 11.53.04
